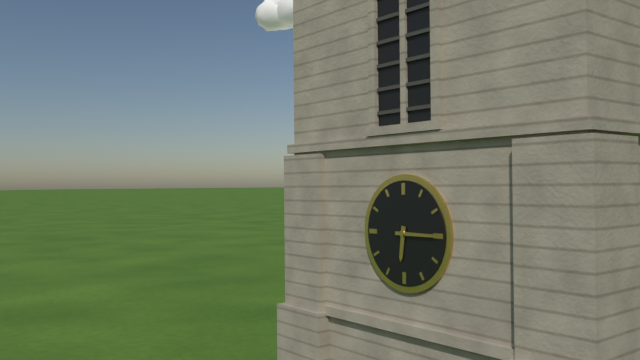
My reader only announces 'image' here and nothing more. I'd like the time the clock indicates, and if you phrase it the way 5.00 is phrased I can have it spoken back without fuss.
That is 6.15
